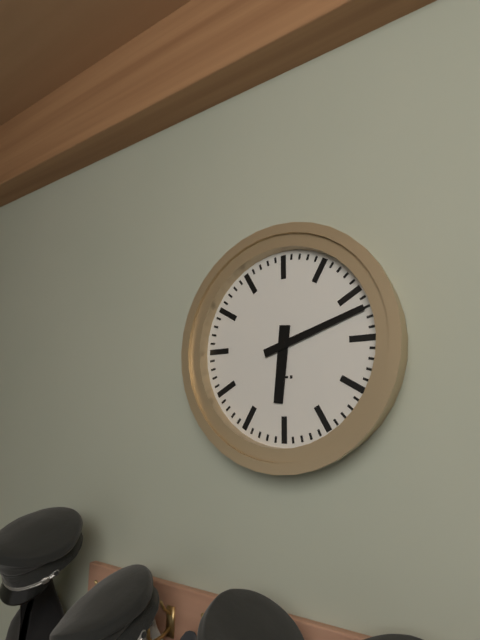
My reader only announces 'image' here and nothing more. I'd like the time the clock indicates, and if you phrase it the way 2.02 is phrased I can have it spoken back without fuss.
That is 6.12
